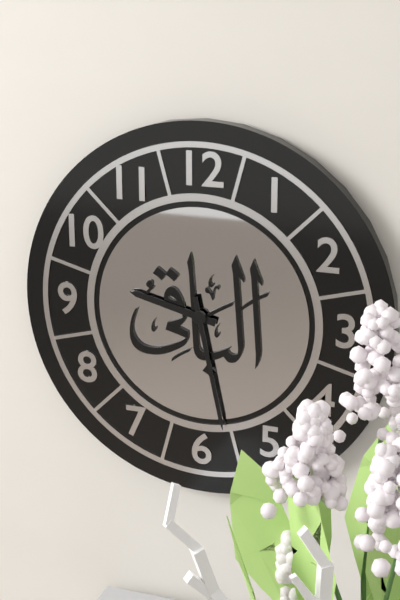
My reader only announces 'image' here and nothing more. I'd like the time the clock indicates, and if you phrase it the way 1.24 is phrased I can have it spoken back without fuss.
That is 9.28
